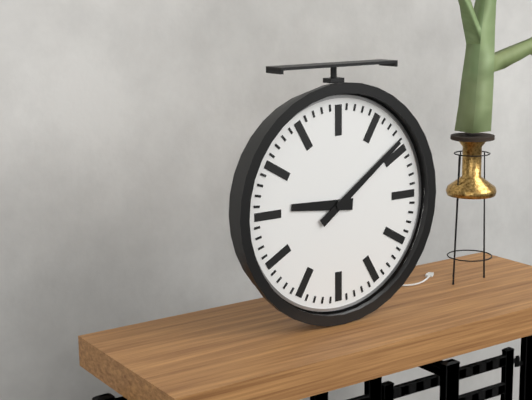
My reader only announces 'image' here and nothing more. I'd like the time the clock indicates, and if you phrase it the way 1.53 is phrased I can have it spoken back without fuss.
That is 9.09
